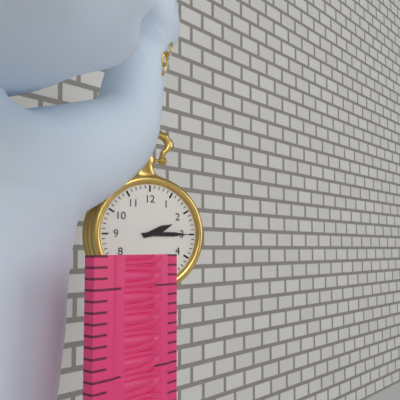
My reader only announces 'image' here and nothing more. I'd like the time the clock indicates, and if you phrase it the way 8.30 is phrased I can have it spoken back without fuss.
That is 2.15
